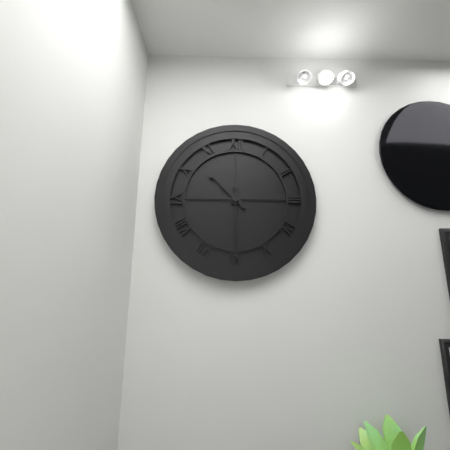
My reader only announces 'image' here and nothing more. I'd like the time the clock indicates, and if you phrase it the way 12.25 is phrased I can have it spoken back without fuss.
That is 10.30
